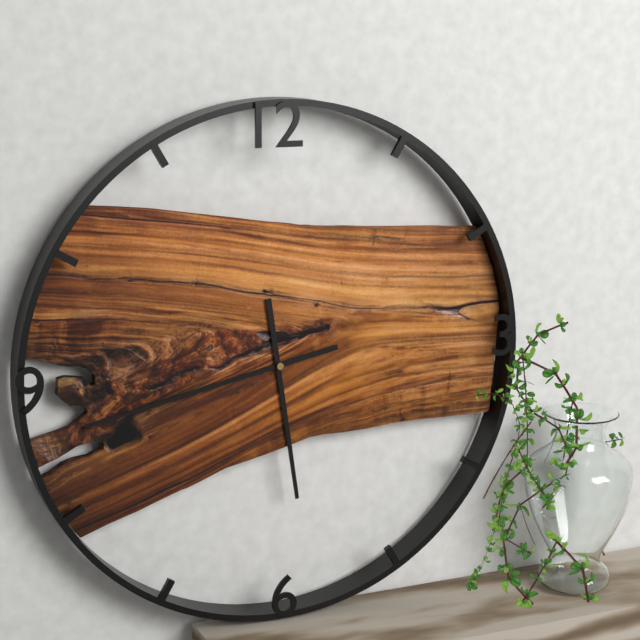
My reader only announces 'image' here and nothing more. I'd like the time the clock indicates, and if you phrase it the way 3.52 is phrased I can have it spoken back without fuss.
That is 5.43
